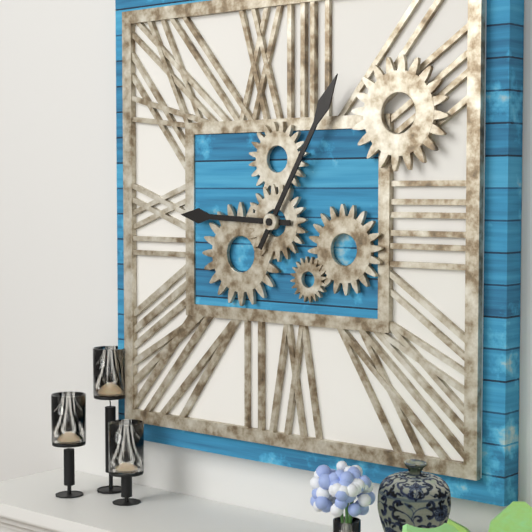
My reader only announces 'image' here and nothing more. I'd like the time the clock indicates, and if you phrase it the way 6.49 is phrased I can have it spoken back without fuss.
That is 9.05
